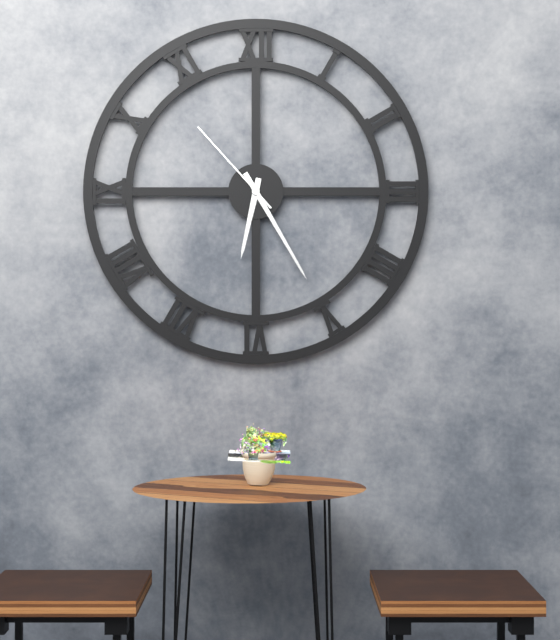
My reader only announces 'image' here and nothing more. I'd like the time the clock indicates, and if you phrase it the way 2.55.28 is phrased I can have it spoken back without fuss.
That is 6.25.53
